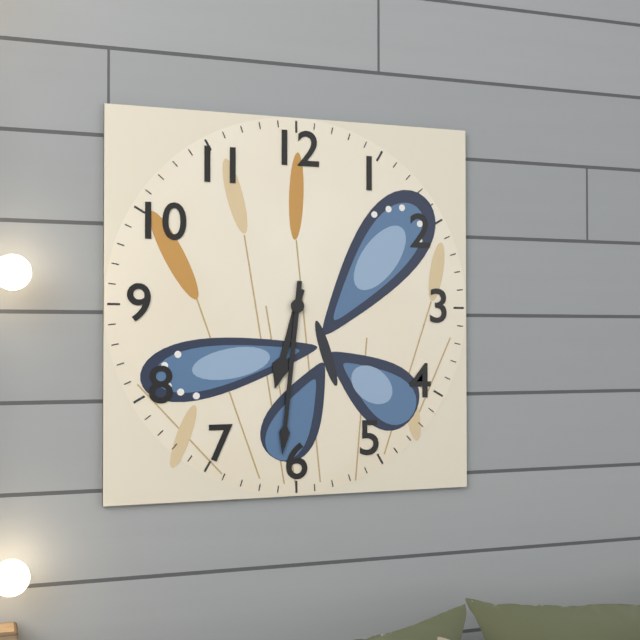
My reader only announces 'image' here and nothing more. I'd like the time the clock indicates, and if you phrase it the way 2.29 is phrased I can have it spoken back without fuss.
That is 6.31
